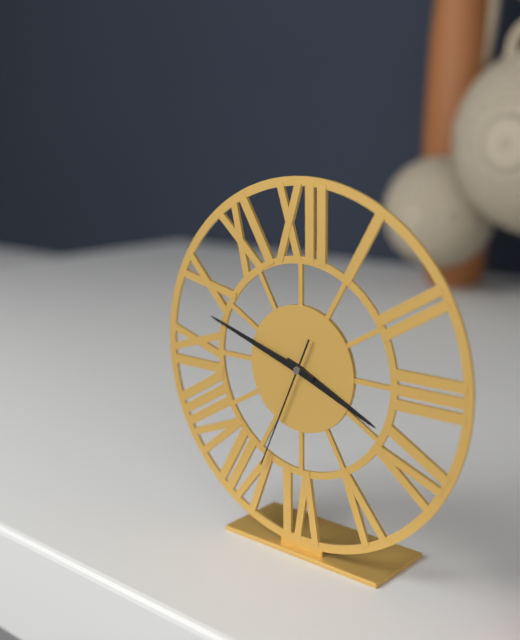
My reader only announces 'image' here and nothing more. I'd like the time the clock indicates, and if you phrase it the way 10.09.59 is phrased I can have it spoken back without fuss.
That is 3.48.34
